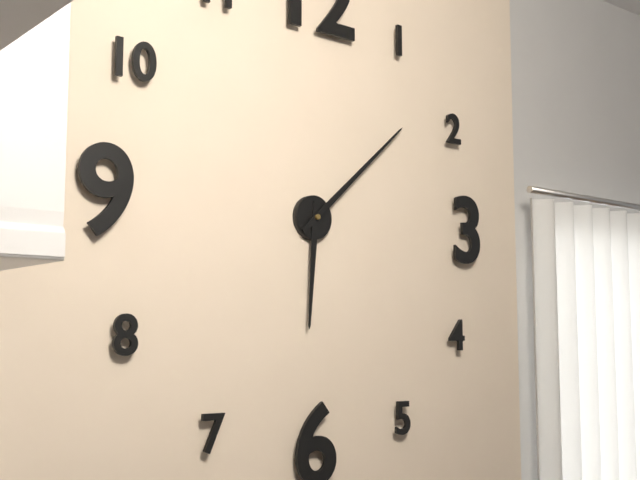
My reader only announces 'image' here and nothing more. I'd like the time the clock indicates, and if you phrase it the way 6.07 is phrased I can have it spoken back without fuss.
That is 6.08
